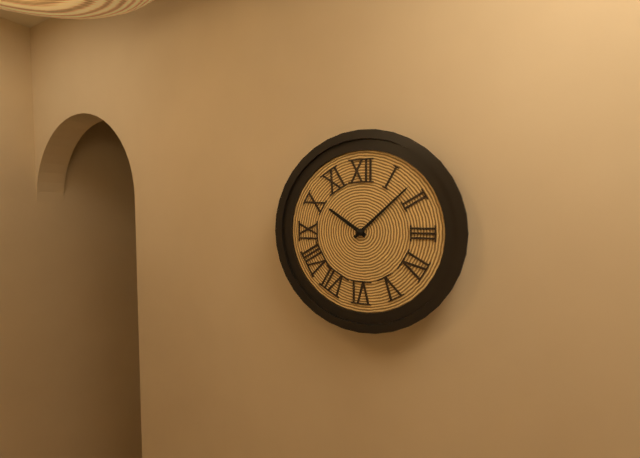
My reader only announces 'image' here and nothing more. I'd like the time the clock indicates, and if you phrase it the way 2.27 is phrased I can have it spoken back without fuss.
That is 10.08
